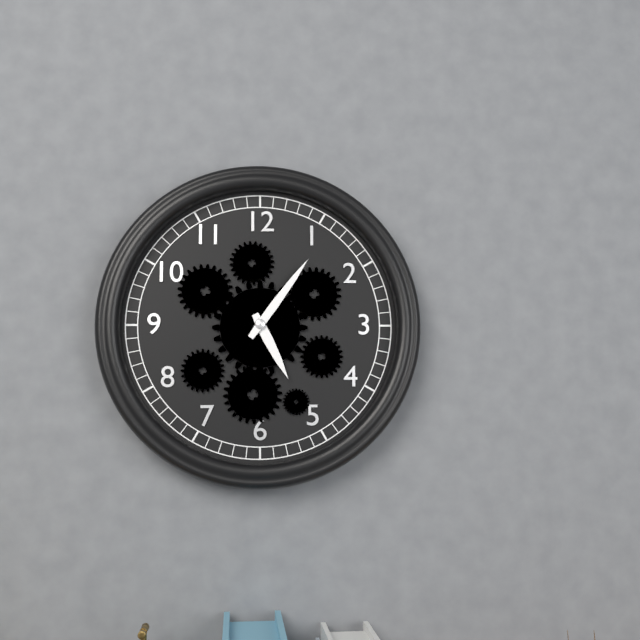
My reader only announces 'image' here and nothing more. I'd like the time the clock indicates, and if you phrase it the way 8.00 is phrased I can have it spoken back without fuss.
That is 5.06
